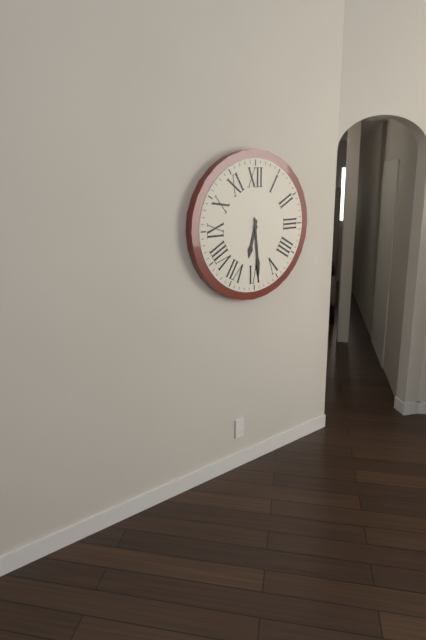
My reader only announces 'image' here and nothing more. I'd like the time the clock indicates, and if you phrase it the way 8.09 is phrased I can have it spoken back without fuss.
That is 6.29
